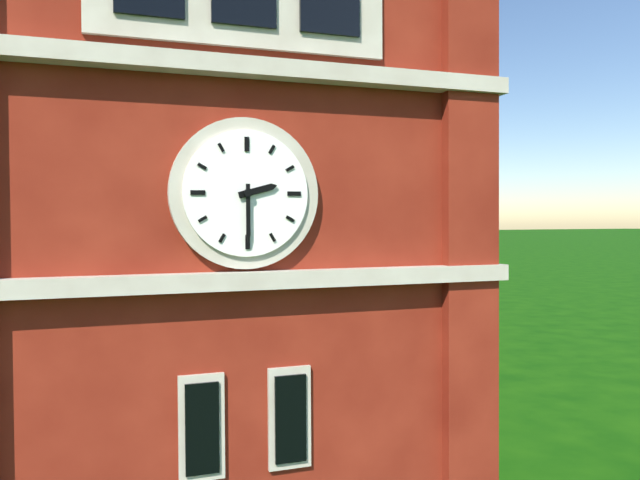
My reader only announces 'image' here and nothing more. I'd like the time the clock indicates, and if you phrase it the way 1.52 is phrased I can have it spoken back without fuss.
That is 2.30
